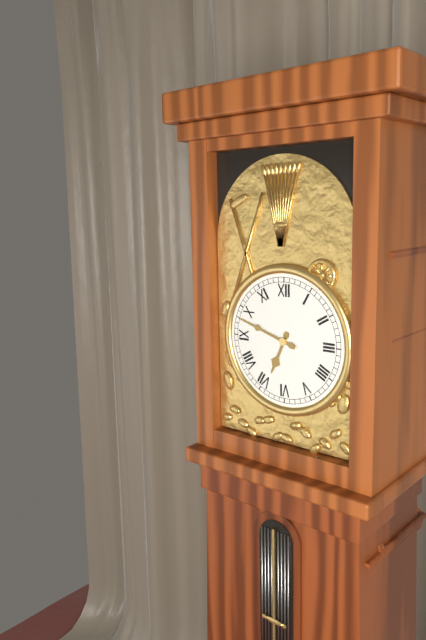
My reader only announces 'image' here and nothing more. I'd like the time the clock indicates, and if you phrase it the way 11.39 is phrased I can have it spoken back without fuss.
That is 6.48
